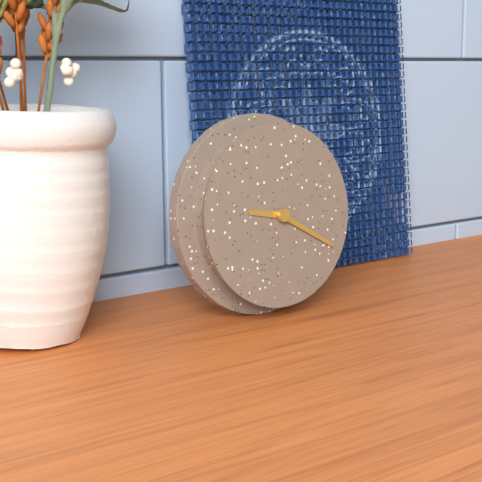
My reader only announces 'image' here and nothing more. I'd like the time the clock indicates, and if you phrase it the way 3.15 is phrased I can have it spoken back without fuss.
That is 9.20
